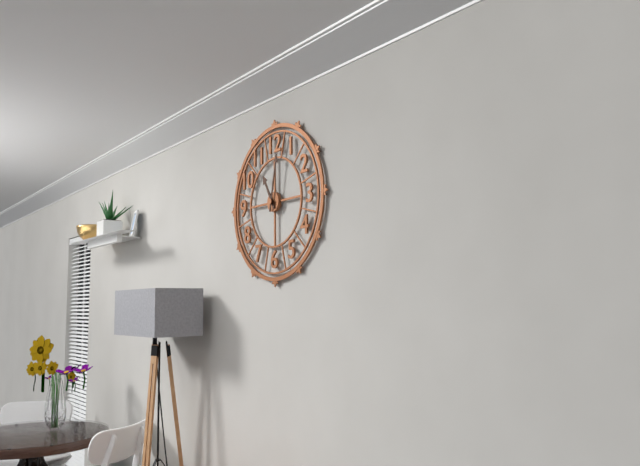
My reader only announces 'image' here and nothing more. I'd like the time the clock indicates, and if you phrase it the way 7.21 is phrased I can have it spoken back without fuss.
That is 11.02
